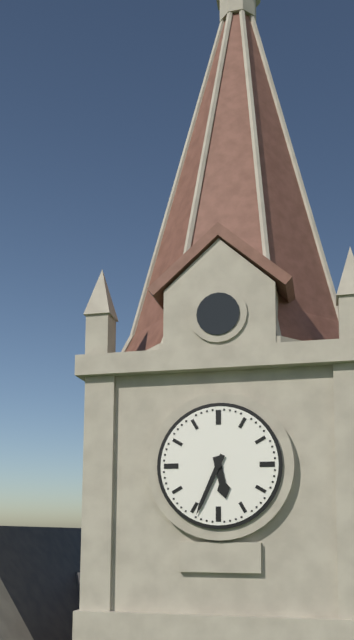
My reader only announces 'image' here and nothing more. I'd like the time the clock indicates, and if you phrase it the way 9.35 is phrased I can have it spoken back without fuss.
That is 5.34
